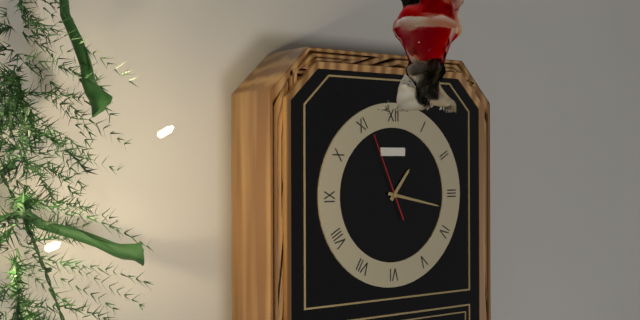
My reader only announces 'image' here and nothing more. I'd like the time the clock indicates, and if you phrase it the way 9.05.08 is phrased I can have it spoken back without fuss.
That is 1.17.56
